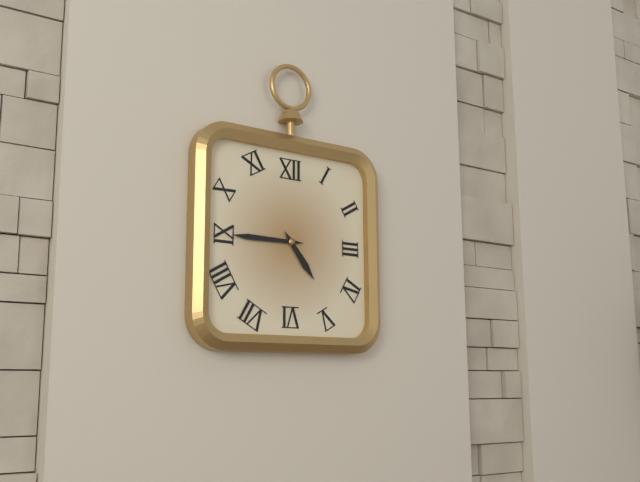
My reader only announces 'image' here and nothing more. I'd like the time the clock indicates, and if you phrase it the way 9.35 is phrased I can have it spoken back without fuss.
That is 4.45
